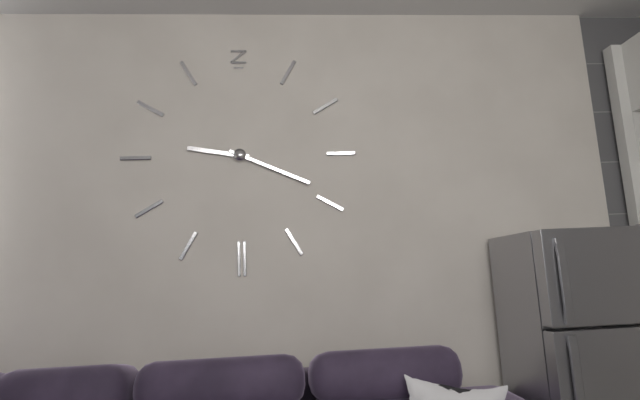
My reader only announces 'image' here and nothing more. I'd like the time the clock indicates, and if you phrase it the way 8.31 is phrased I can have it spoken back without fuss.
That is 9.19
